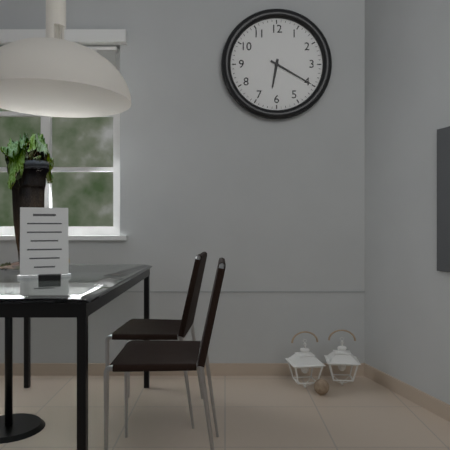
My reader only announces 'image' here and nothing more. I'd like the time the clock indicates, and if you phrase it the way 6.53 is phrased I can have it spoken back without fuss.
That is 6.20
